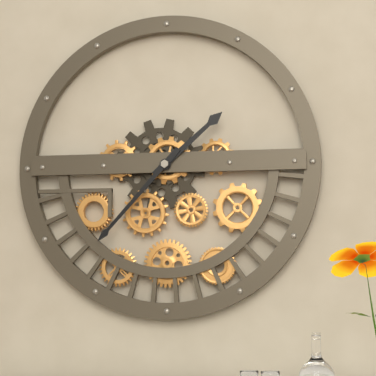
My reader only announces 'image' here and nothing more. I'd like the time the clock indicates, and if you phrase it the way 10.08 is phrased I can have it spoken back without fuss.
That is 1.37
